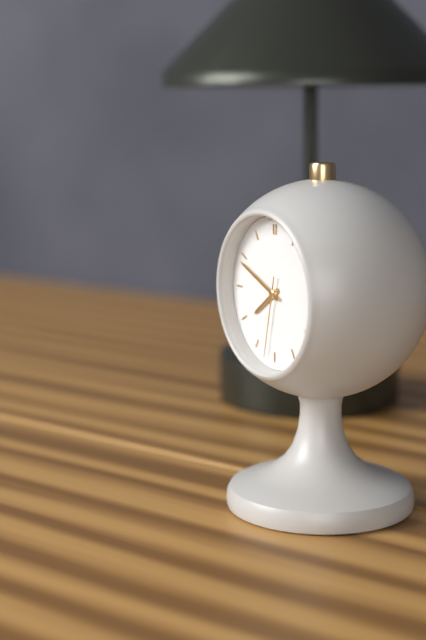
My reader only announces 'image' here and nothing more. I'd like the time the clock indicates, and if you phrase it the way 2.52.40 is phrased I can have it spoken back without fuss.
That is 7.49.32
